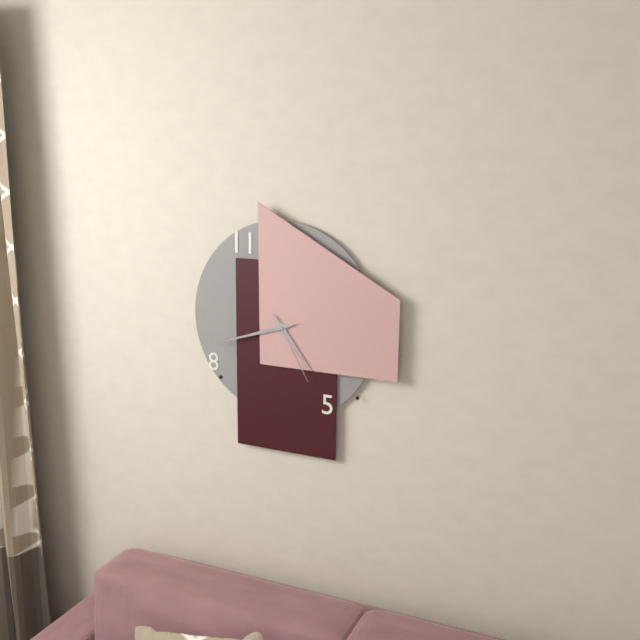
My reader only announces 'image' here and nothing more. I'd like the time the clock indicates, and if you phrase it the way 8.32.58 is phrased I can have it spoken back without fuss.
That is 4.42.25
